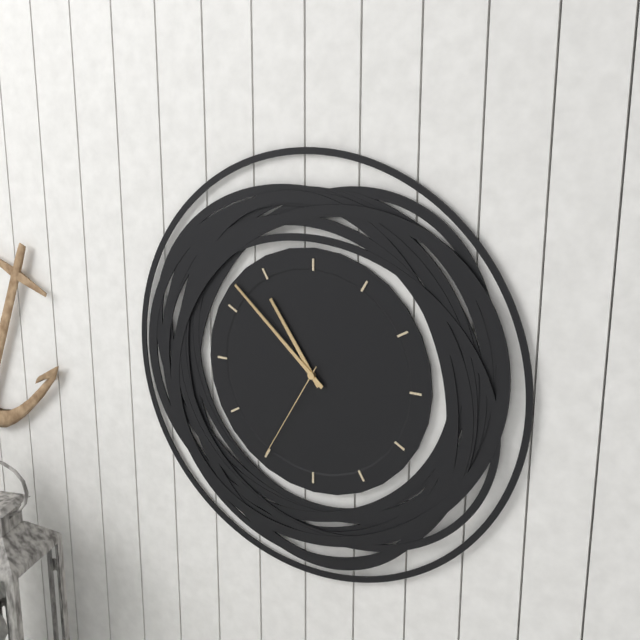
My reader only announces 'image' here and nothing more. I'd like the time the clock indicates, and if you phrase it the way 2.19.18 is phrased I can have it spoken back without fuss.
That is 10.52.35
